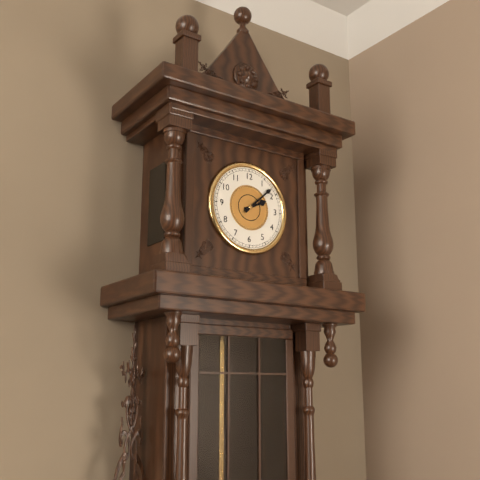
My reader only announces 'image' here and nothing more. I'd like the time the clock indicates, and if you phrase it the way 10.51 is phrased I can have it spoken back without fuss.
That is 2.08
